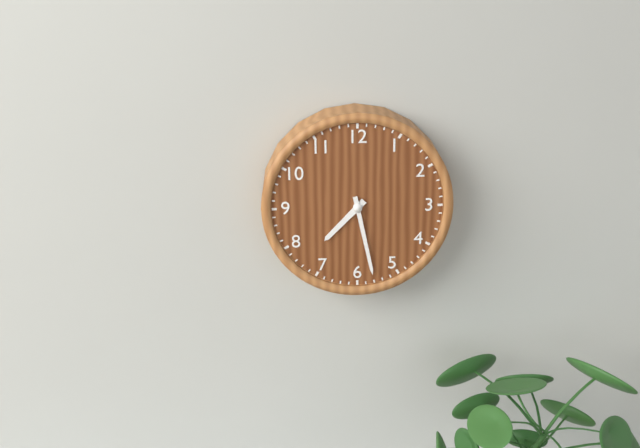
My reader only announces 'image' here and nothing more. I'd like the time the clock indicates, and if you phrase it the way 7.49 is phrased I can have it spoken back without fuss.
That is 7.28
